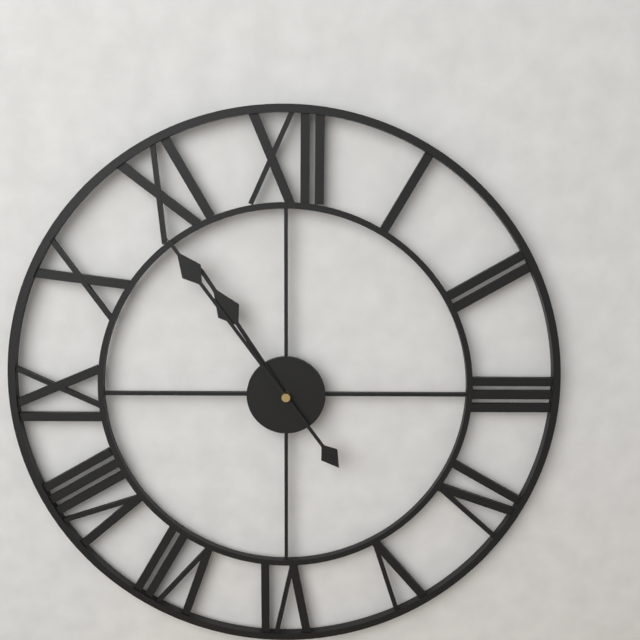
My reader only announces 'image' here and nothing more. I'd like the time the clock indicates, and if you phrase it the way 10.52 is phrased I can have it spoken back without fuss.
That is 10.54
